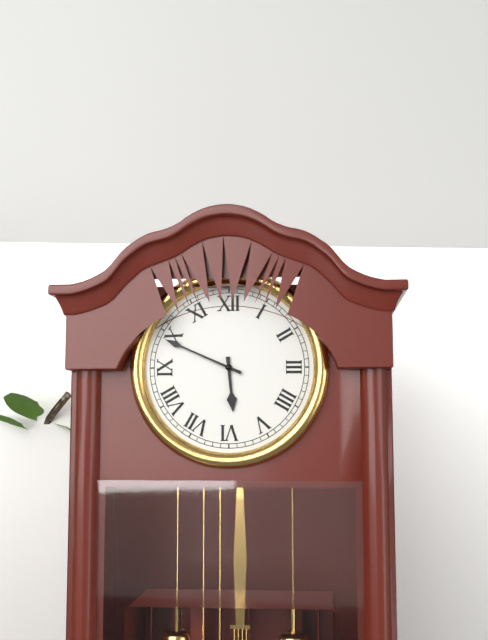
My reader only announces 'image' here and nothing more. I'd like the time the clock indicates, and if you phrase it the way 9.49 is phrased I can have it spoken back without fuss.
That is 5.49
